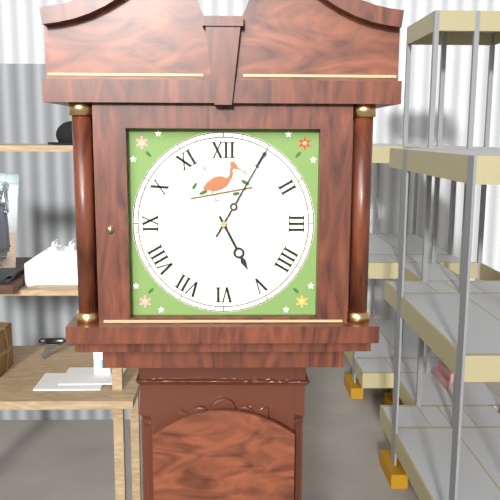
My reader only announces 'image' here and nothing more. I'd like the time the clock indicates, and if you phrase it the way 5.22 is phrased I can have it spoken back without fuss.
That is 5.05
